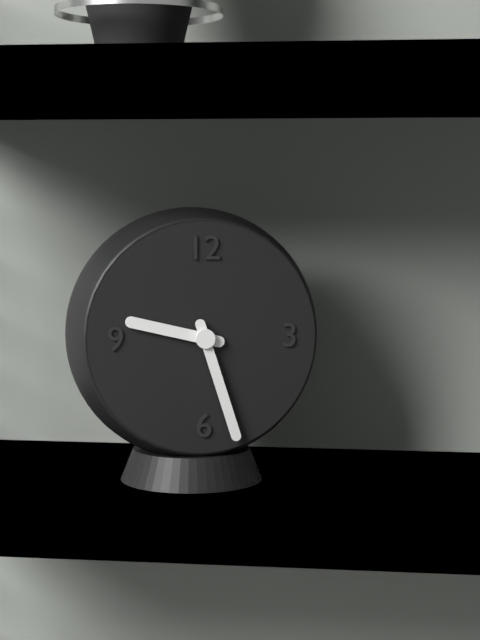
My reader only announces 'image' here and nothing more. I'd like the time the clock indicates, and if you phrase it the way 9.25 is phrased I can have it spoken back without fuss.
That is 9.27
